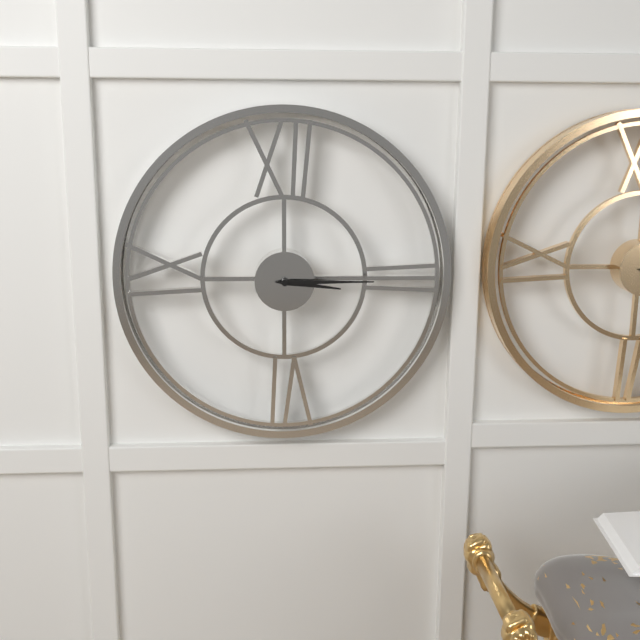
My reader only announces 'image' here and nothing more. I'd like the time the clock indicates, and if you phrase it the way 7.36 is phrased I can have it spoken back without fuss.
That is 3.15
